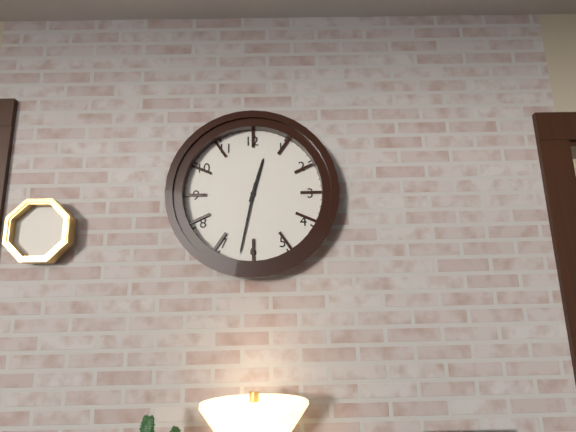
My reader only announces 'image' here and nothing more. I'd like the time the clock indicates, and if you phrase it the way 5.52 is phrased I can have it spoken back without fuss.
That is 12.32
